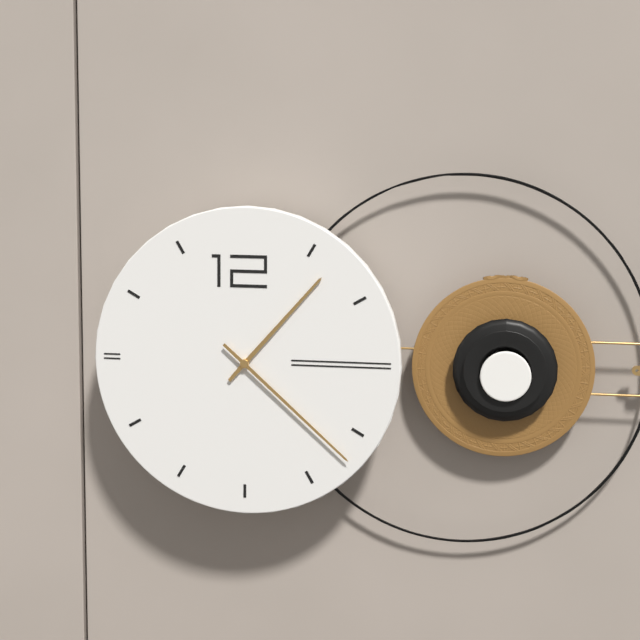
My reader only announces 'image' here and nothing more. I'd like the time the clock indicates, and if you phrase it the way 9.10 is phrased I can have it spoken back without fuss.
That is 1.22
